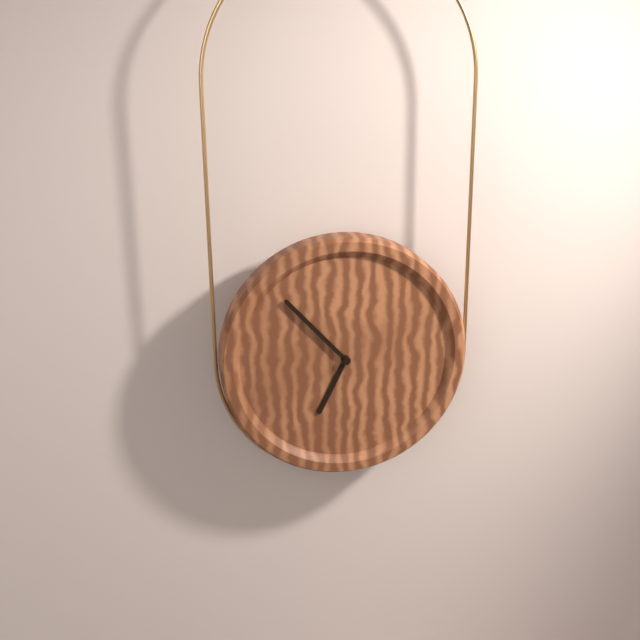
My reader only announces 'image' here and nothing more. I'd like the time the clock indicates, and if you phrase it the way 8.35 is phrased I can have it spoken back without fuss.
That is 6.53
